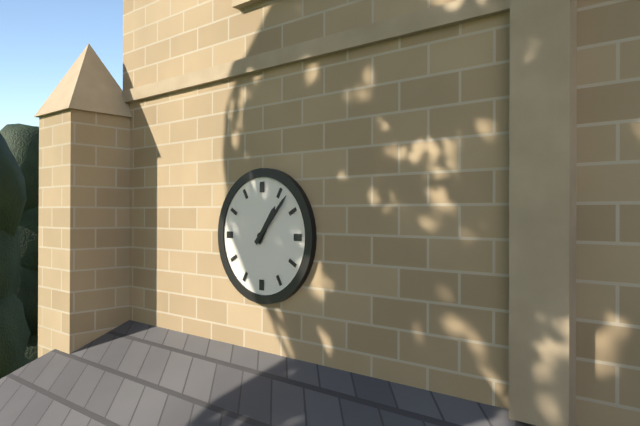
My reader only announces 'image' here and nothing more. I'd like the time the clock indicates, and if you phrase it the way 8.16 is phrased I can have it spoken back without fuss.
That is 1.07
